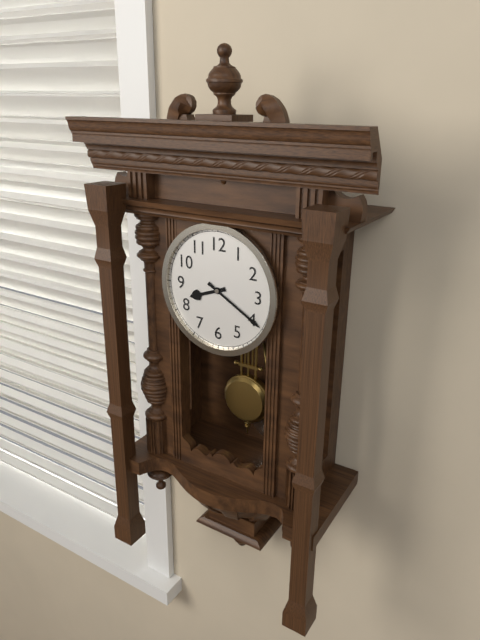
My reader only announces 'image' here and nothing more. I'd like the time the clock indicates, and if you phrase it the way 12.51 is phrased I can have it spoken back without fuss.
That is 8.20
